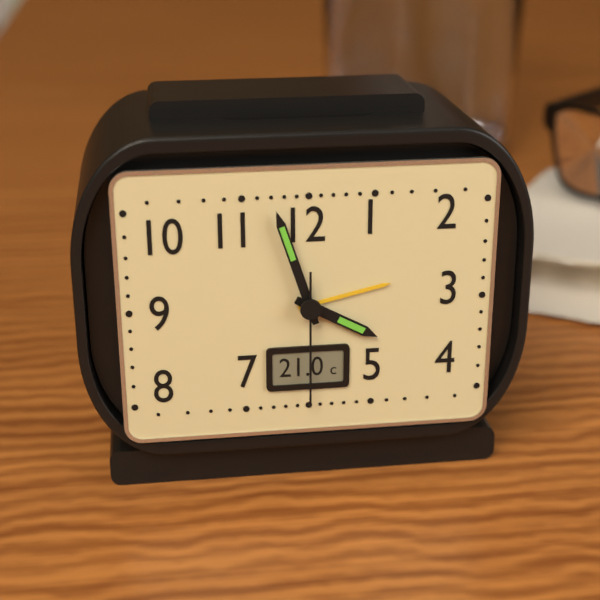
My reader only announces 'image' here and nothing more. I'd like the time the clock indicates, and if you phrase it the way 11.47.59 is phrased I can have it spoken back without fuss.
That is 3.57.30
